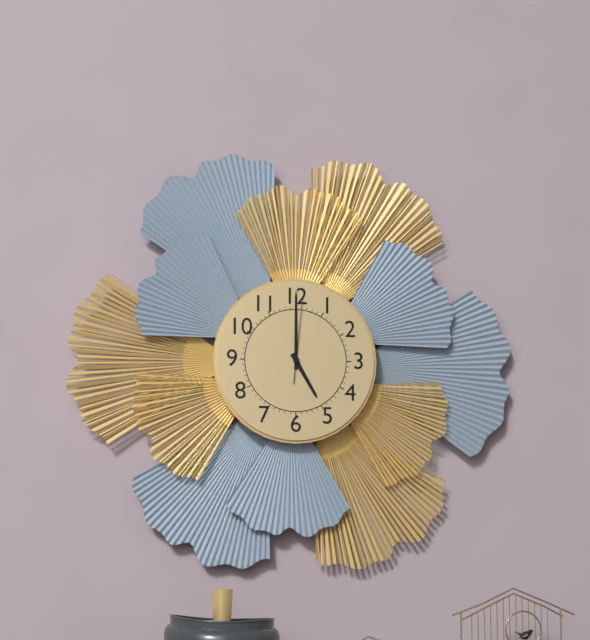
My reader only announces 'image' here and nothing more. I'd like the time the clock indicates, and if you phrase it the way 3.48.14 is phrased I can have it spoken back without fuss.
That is 5.00.01
